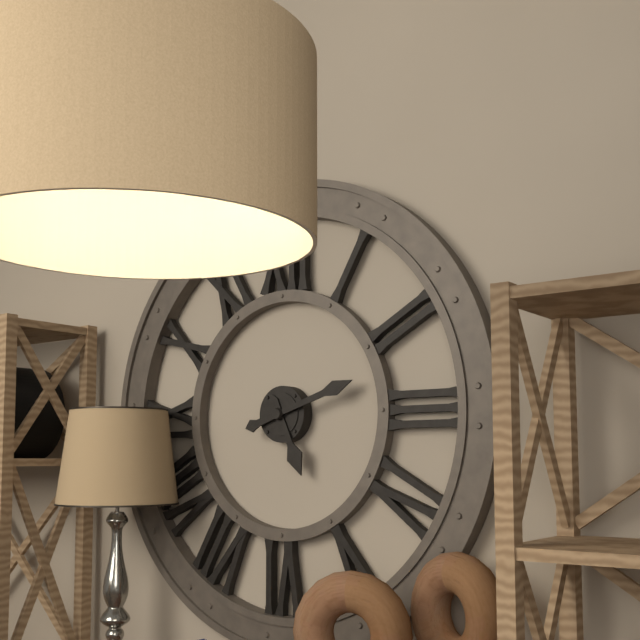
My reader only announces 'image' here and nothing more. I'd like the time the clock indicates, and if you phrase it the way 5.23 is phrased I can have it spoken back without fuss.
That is 5.12
